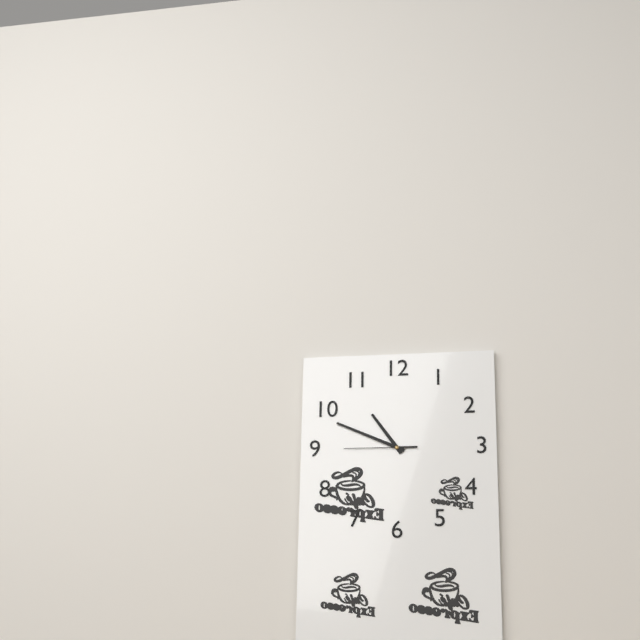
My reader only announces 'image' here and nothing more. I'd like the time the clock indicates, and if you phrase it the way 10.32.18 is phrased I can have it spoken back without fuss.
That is 10.49.45
